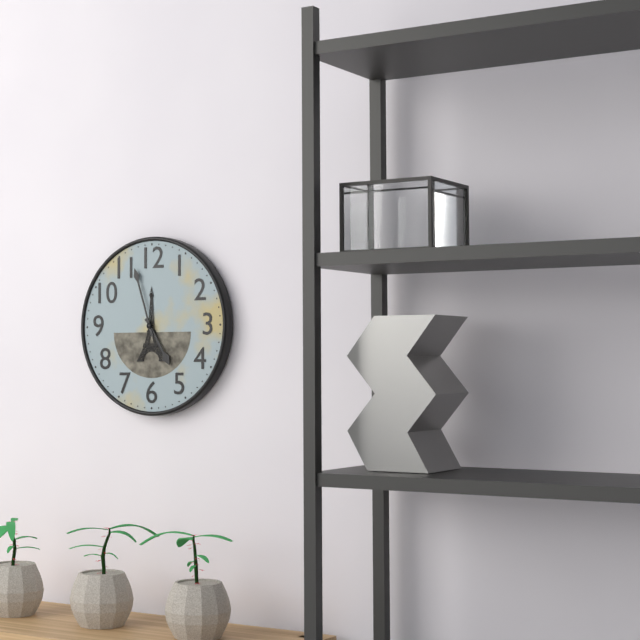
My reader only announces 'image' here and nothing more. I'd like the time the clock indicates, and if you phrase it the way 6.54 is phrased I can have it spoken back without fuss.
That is 4.57
